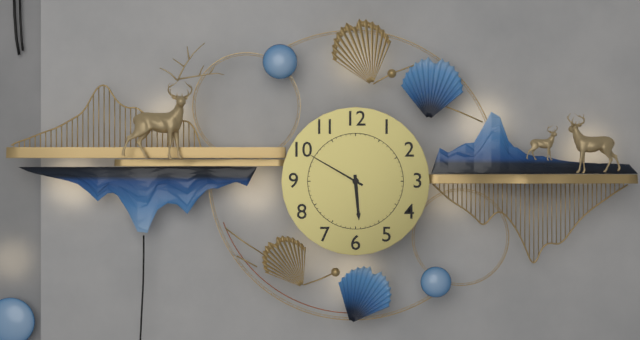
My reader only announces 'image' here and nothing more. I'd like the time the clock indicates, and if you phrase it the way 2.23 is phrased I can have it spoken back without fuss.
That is 5.50
